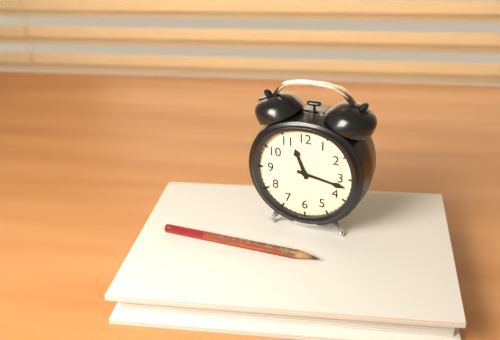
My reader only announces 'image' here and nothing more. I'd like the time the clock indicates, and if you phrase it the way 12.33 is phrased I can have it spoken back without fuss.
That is 11.17
